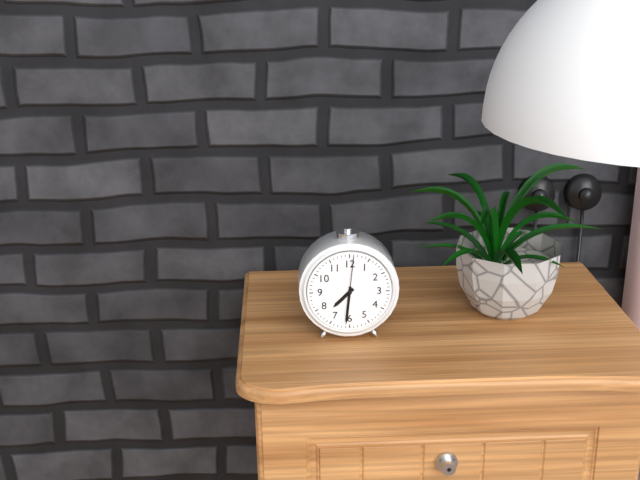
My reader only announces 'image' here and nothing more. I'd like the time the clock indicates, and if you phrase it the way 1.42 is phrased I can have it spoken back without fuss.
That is 7.31
